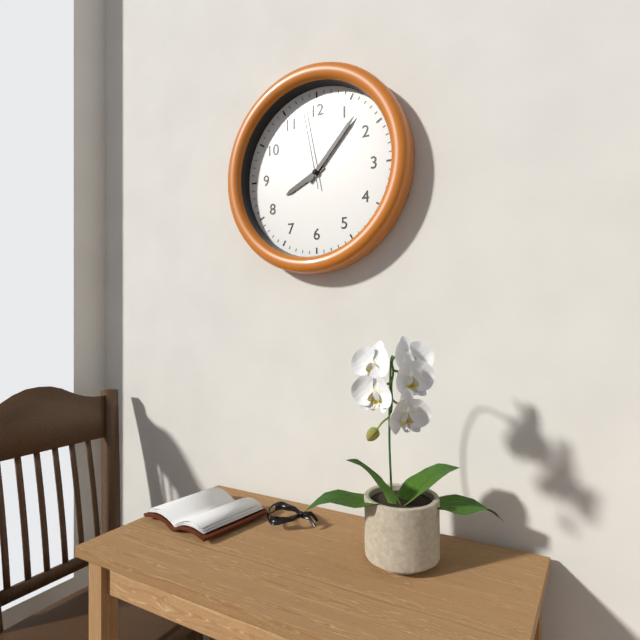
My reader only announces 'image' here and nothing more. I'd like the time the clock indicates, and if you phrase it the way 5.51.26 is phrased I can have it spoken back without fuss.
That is 8.07.58
